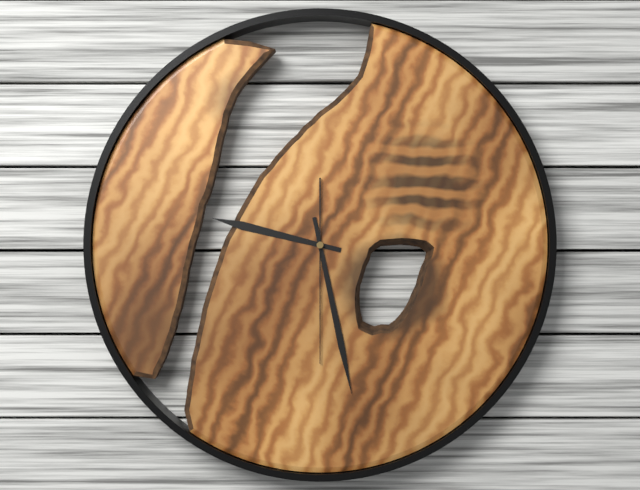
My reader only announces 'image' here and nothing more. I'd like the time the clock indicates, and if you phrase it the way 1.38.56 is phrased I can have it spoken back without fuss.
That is 9.28.30
